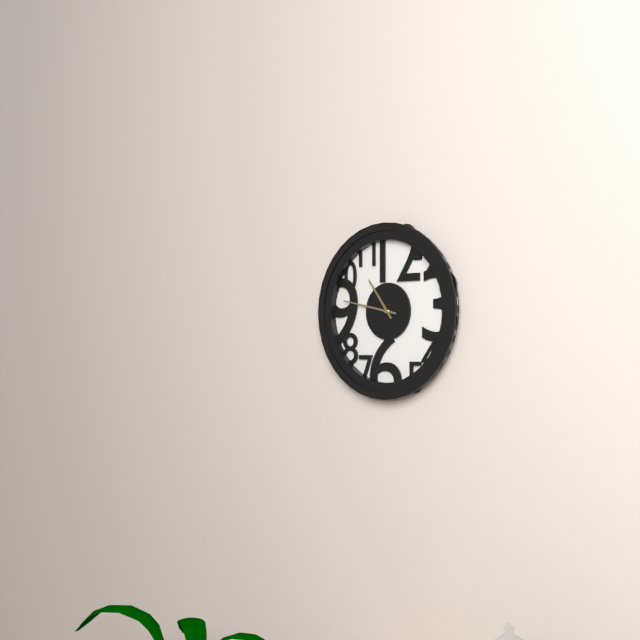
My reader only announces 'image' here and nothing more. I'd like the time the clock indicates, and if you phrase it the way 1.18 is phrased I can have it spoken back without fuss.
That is 10.47
